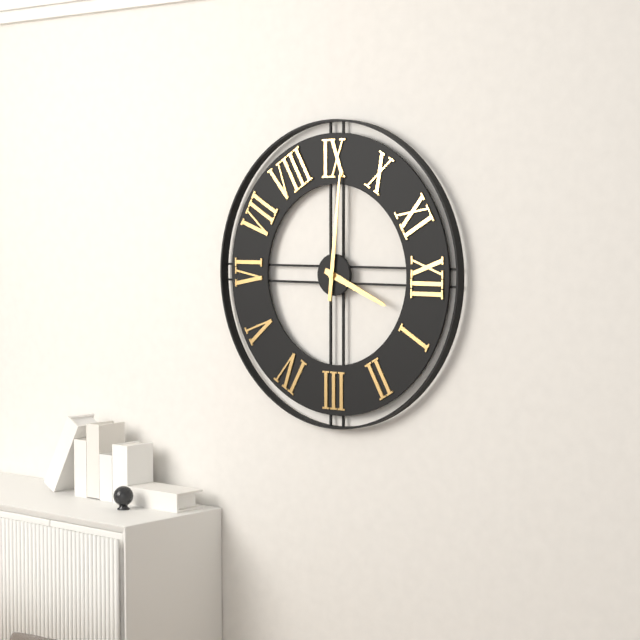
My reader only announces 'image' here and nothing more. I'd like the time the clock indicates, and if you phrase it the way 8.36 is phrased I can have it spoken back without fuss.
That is 12.46
